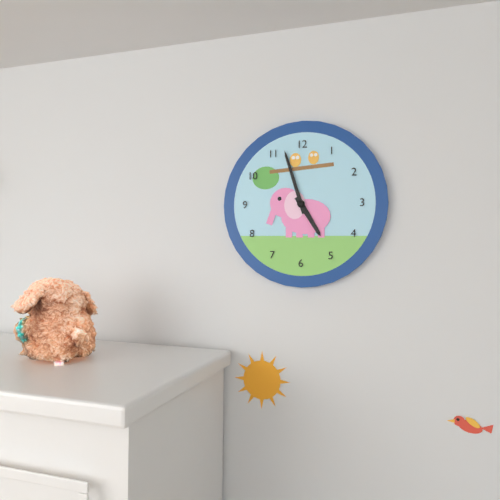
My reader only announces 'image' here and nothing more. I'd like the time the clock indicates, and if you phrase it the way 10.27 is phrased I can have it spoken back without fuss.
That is 4.57
